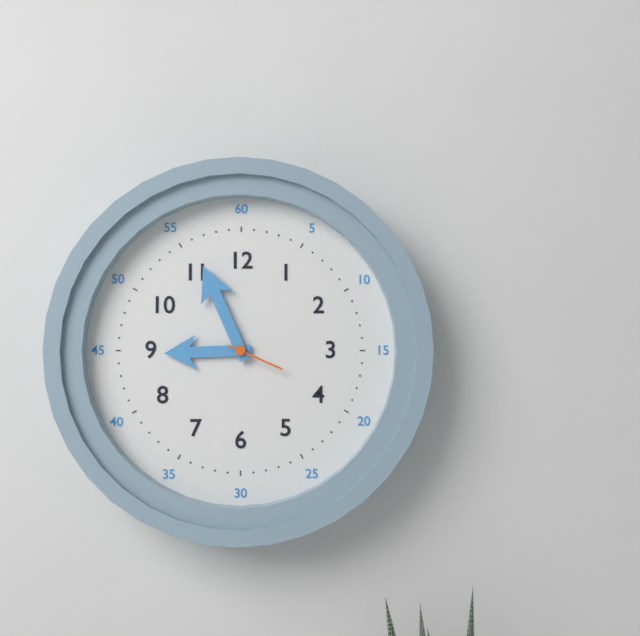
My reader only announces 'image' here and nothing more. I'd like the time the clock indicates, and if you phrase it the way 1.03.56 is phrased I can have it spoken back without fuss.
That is 8.56.19
